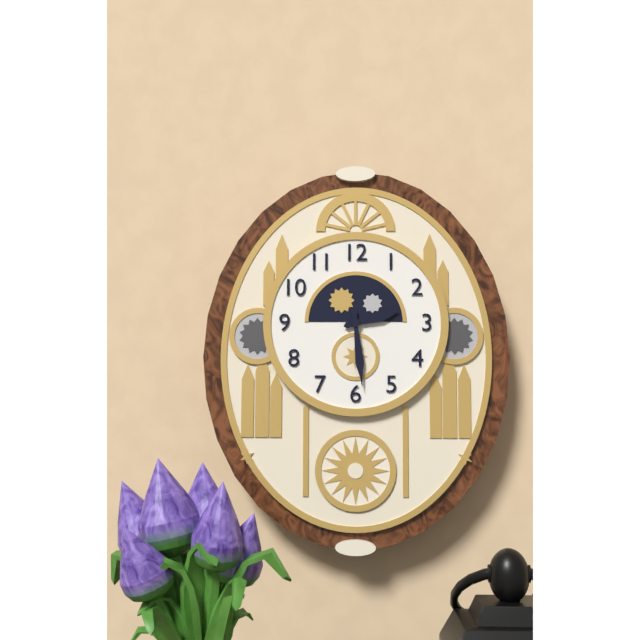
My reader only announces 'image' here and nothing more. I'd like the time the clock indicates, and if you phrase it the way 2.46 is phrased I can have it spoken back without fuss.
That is 2.29
